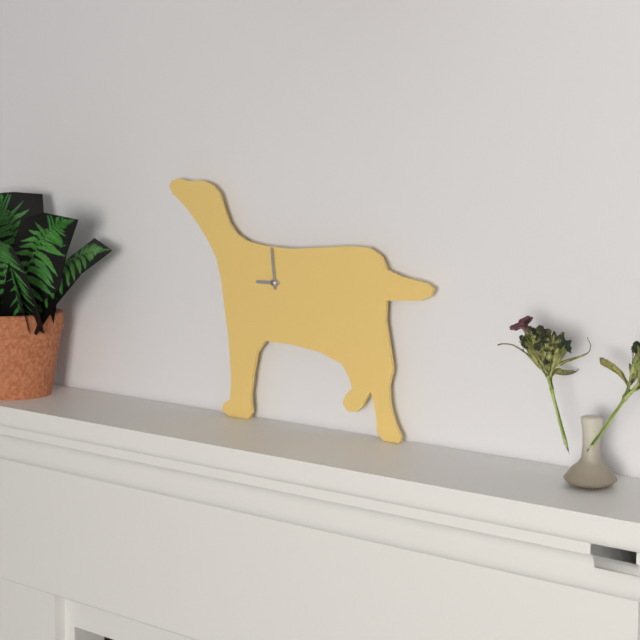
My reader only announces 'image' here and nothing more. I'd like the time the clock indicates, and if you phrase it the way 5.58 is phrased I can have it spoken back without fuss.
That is 8.59
